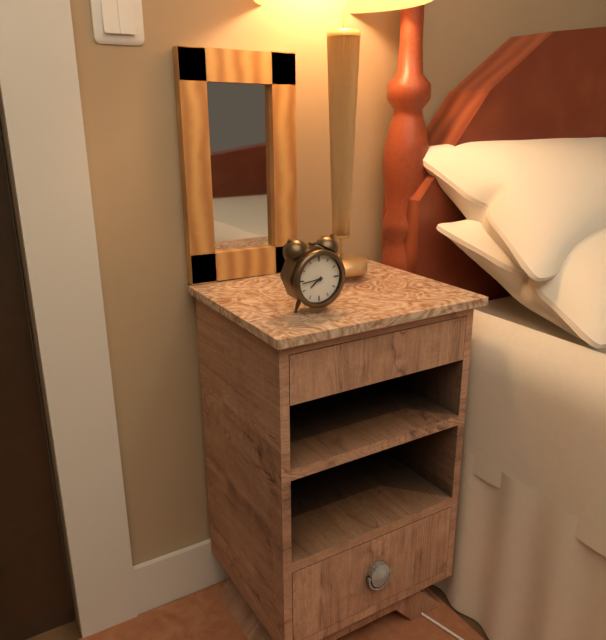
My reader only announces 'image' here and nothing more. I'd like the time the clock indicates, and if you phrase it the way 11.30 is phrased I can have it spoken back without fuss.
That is 7.44
